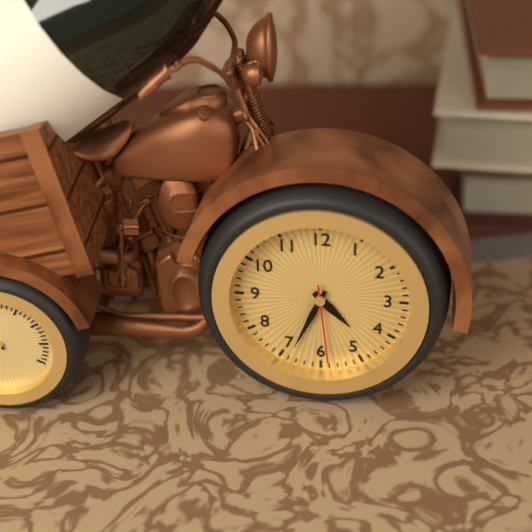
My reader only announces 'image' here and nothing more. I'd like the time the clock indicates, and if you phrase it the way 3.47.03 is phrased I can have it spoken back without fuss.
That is 4.34.29
